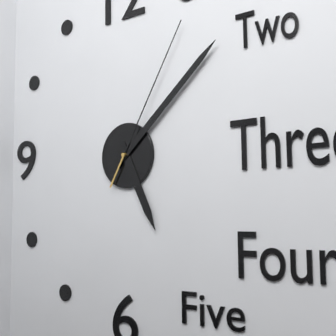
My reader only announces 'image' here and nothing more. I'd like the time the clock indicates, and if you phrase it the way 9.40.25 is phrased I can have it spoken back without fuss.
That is 5.08.05
